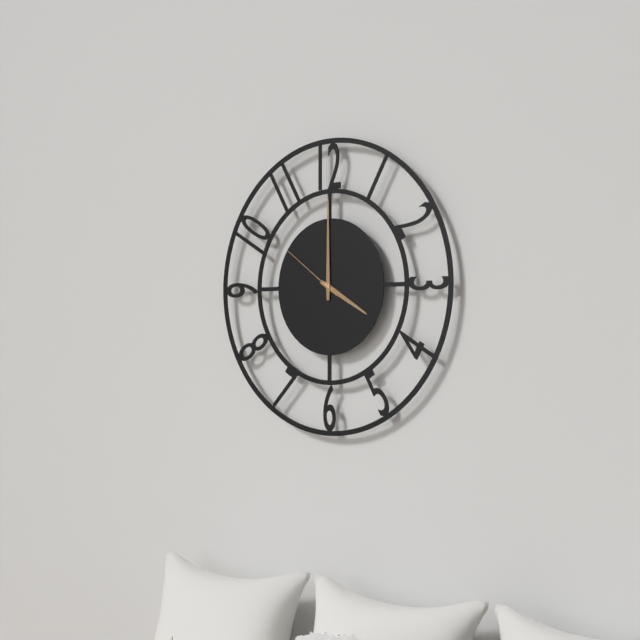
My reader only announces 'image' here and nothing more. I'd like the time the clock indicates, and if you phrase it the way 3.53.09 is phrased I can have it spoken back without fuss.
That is 4.00.51
